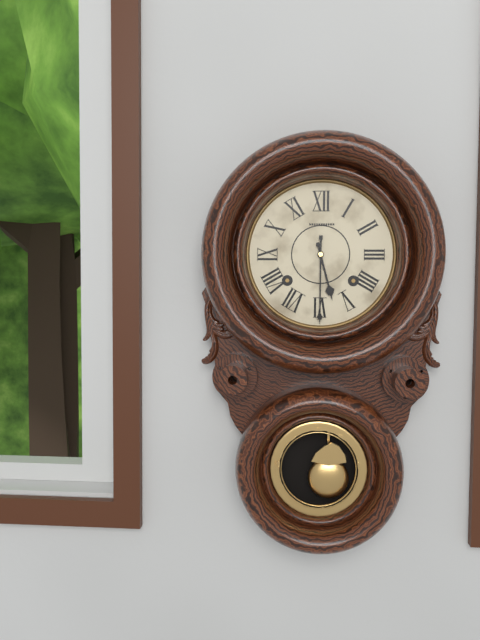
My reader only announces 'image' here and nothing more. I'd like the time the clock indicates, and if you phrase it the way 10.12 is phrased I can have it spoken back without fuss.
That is 5.30
